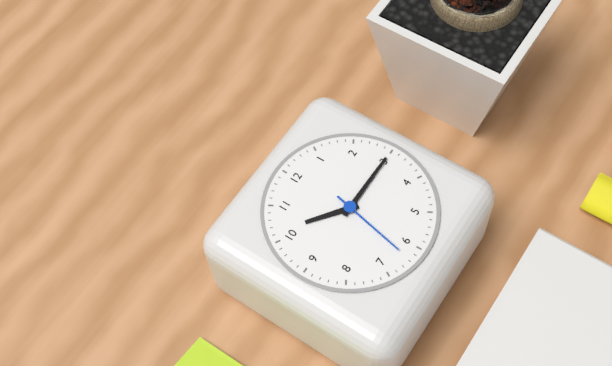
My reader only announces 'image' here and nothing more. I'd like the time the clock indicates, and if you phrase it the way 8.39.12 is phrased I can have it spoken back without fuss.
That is 10.15.32
